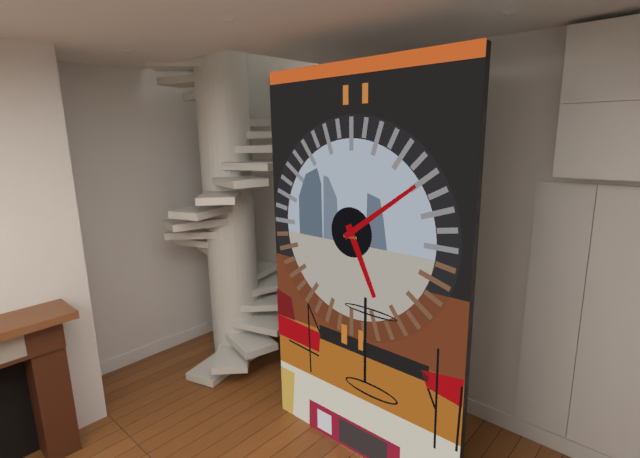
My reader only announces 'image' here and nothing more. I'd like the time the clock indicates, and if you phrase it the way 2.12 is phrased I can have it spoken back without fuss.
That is 5.09
